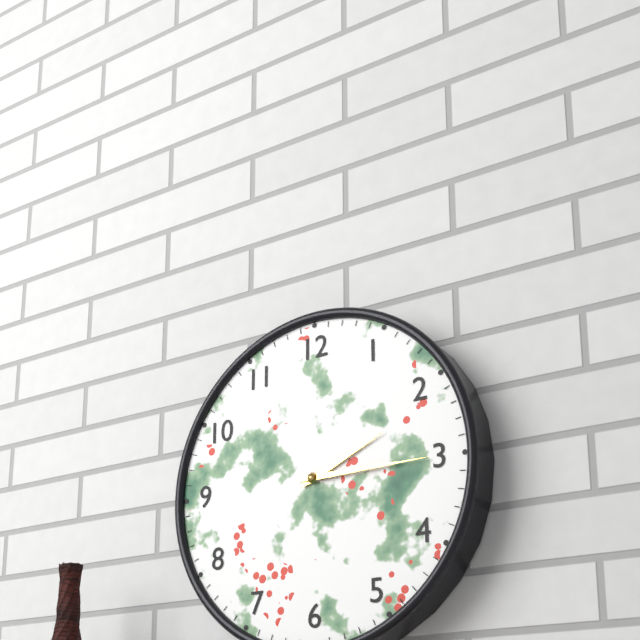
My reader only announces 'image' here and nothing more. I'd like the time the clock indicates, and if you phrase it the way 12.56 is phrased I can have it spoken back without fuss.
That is 2.15
